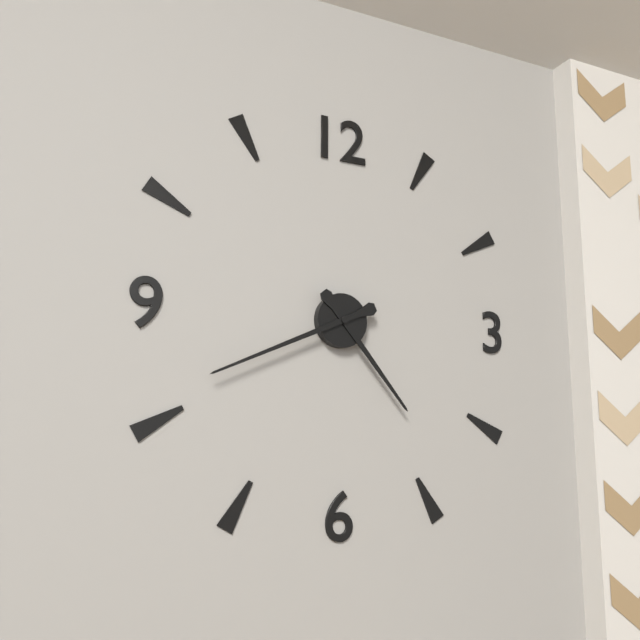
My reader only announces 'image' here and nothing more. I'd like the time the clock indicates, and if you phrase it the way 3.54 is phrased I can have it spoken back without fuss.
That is 4.41
